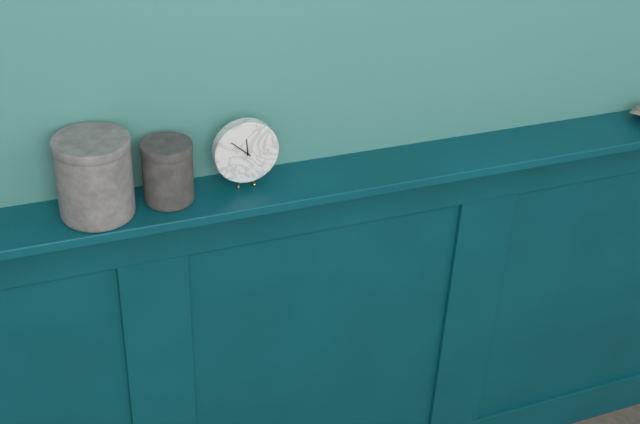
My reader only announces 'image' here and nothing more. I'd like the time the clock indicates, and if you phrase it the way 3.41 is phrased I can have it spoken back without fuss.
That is 11.52
